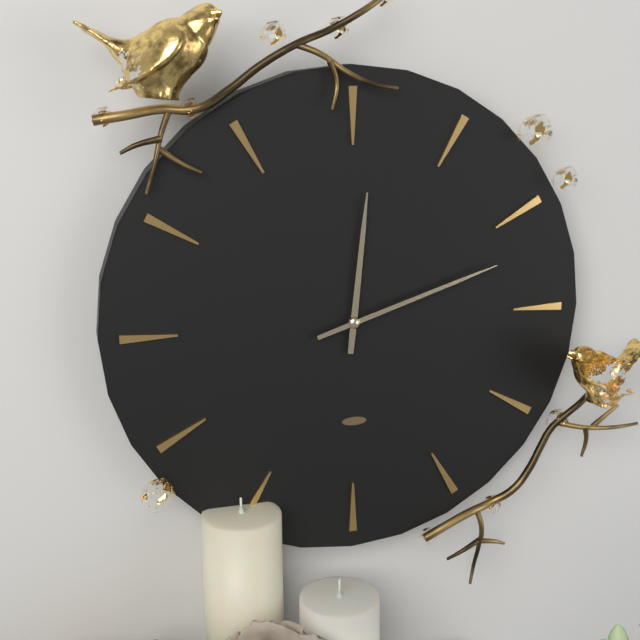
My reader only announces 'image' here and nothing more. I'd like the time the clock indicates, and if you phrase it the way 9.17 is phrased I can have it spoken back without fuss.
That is 12.12
